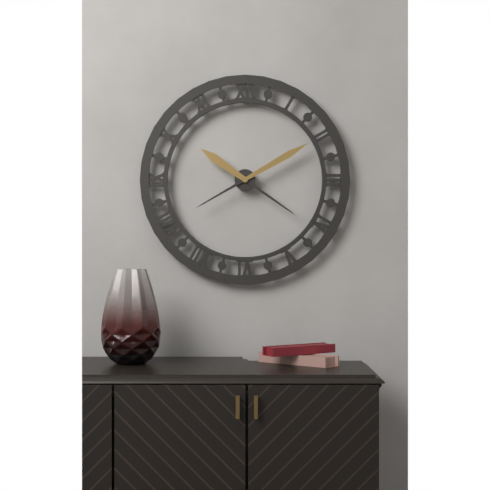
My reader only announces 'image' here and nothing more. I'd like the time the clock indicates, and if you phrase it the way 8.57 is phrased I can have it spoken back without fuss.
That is 10.10
